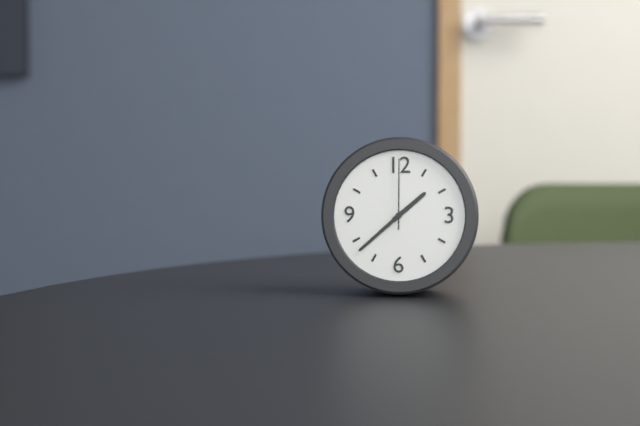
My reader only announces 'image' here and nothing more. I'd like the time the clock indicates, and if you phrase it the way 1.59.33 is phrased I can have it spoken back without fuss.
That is 1.38.00
